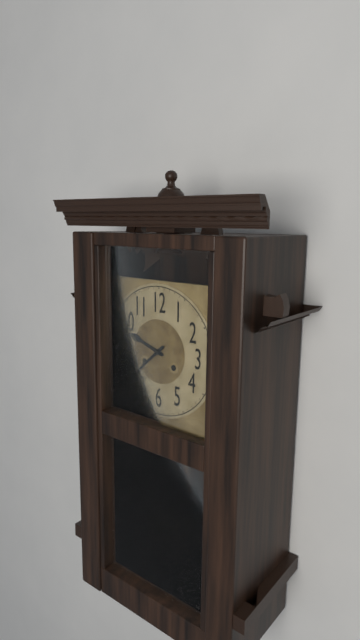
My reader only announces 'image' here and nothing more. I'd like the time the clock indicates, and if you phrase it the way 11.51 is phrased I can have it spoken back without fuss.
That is 9.38
